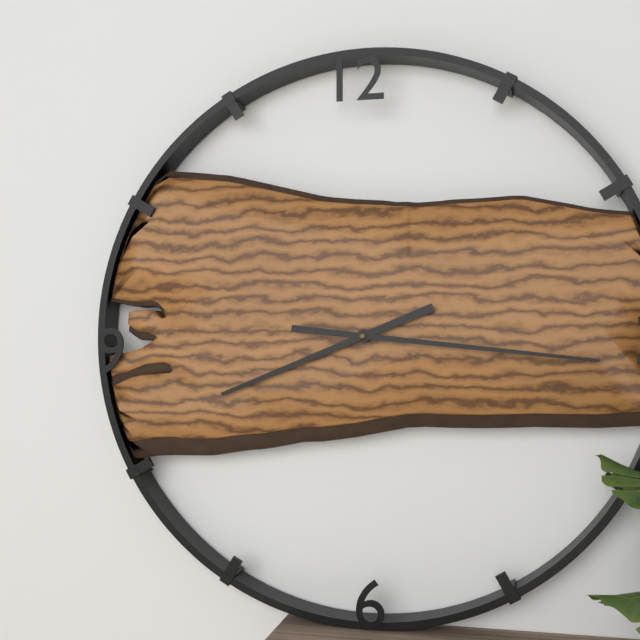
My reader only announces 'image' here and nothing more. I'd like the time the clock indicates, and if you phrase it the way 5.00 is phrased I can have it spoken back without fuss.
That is 8.16
